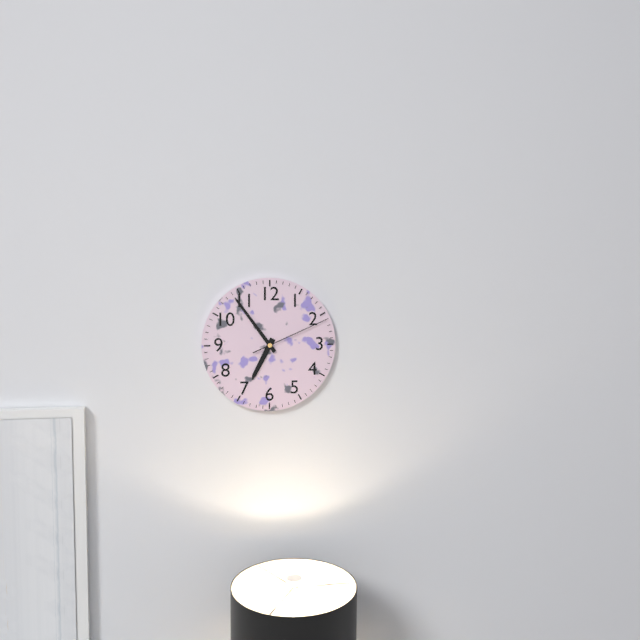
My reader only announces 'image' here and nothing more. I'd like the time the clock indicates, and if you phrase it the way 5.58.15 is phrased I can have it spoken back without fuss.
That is 6.54.11
